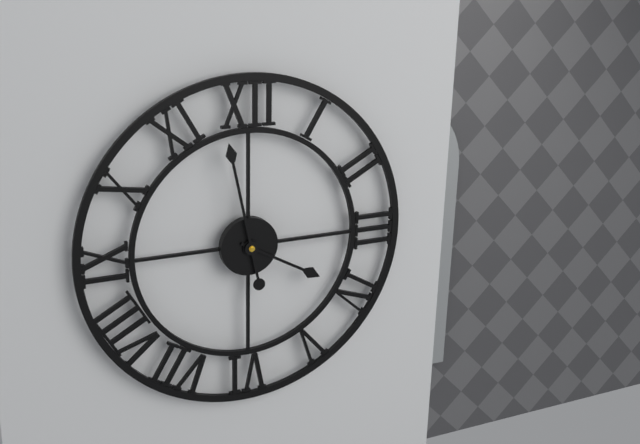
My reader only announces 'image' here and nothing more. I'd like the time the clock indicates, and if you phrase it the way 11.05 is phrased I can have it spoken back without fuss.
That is 3.58
